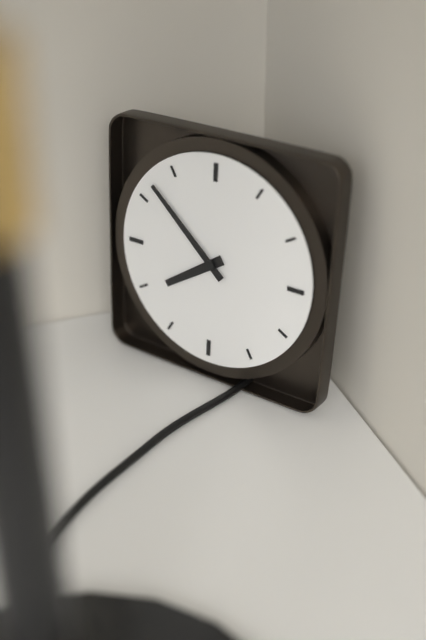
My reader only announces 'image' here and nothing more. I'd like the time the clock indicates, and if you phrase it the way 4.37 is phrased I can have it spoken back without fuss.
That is 7.52
